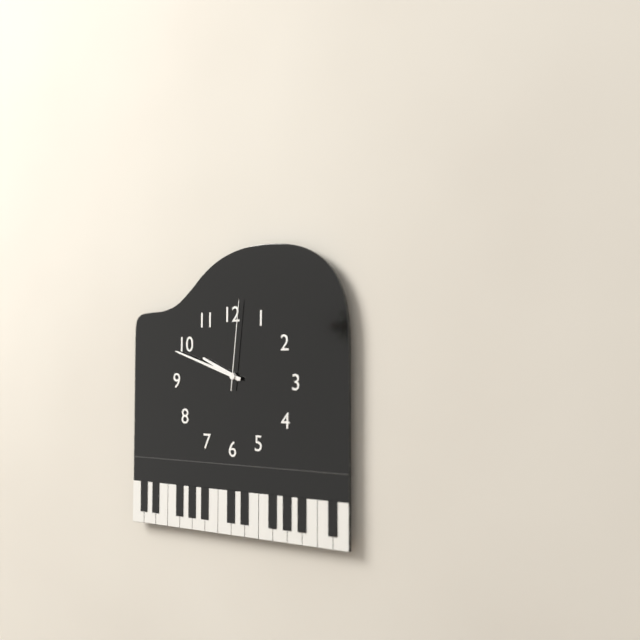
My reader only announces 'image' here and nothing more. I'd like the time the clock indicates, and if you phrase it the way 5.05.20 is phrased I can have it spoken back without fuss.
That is 9.48.01
